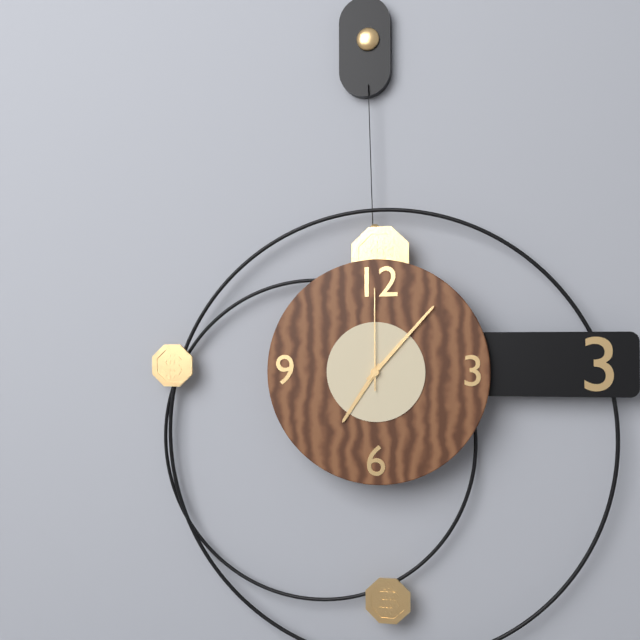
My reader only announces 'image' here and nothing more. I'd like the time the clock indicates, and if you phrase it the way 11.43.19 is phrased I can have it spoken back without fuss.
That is 7.07.00
